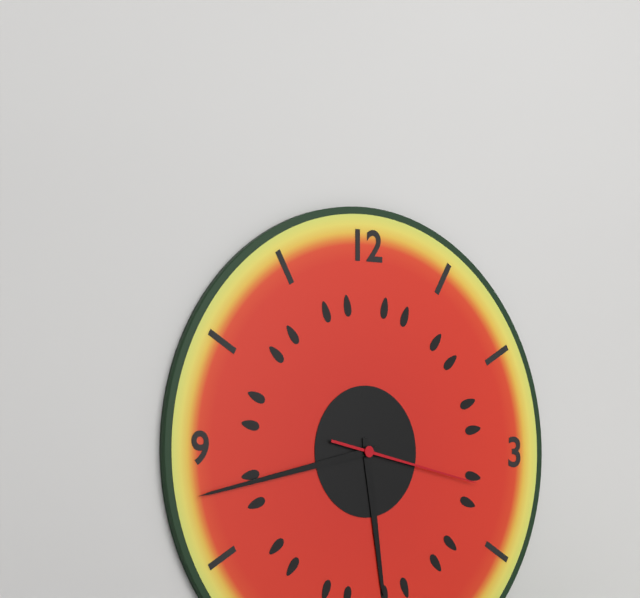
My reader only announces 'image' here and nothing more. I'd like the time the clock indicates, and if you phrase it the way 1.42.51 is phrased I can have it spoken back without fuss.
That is 5.43.17
